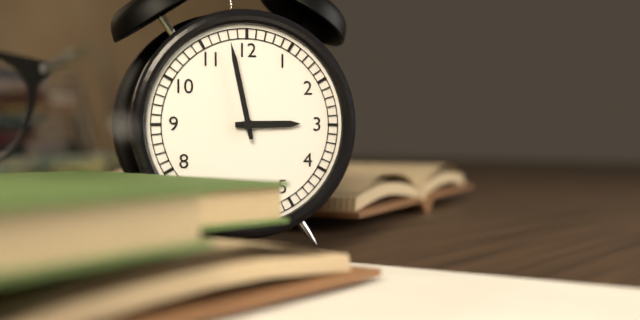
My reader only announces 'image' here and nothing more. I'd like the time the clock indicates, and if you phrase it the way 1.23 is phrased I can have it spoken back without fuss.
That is 2.58
